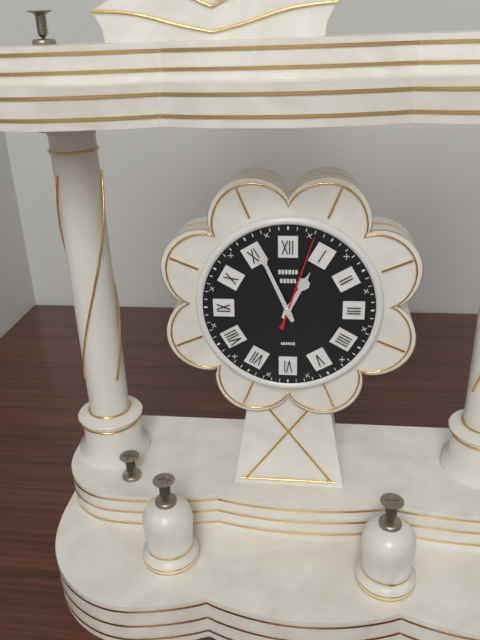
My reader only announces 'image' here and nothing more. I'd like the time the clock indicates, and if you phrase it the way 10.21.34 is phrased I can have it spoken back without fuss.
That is 12.56.03
